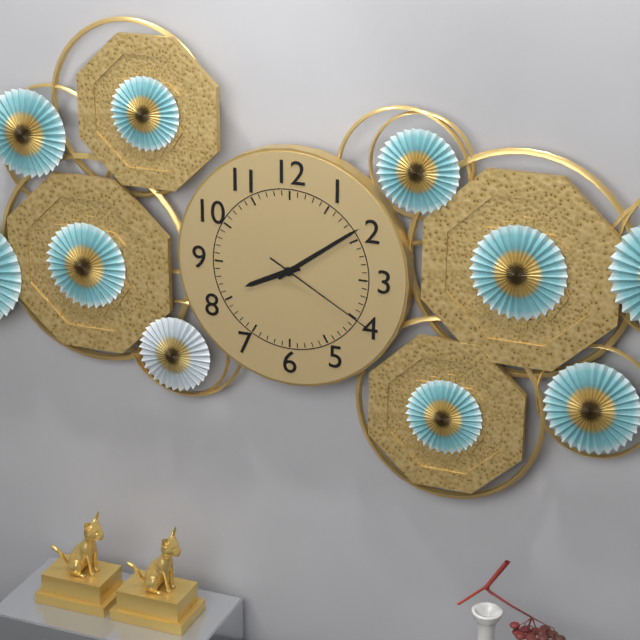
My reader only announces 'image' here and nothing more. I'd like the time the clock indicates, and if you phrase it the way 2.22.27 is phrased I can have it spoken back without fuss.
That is 8.09.20
